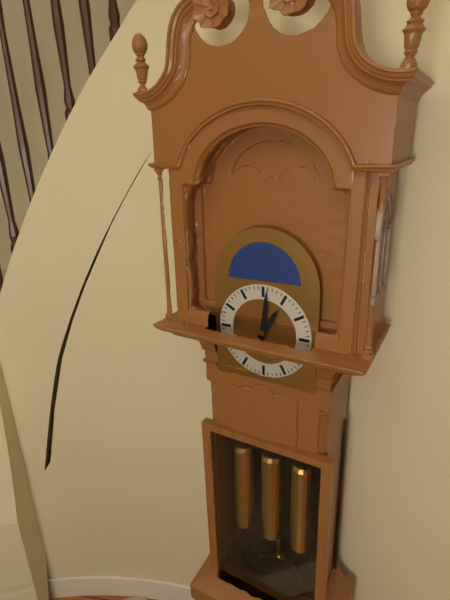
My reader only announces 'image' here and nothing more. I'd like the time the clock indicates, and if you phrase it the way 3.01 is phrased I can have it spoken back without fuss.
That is 1.01
